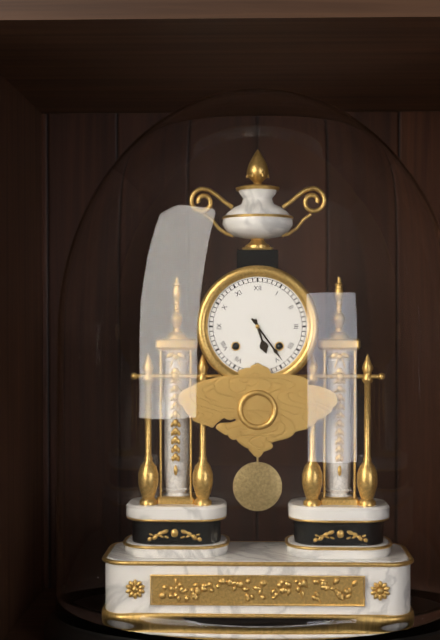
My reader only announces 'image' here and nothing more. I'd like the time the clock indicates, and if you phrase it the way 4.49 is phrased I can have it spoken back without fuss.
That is 5.24
